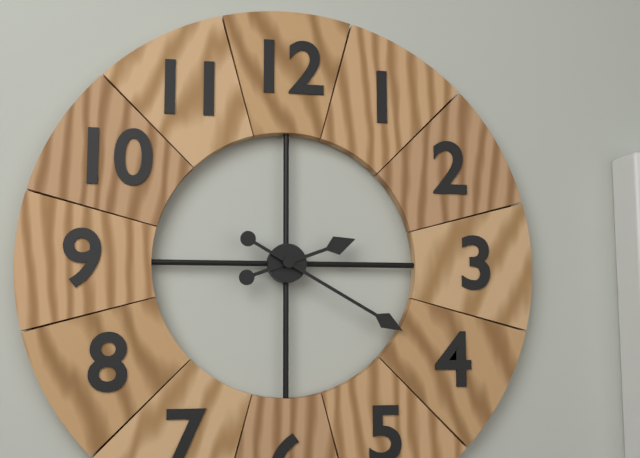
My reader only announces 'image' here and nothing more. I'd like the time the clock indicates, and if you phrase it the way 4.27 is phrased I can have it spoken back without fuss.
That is 2.20
